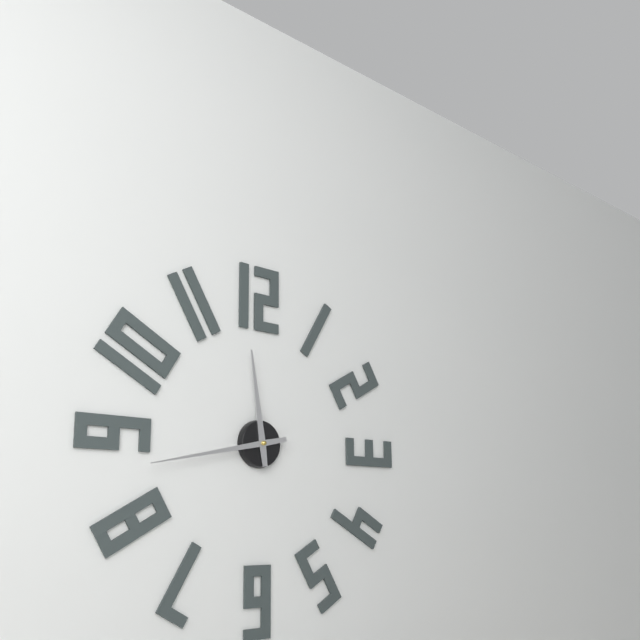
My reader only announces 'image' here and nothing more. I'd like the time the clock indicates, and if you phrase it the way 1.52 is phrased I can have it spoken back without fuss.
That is 11.43
